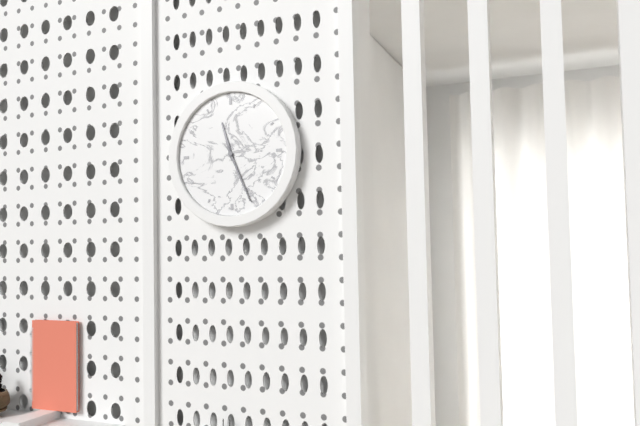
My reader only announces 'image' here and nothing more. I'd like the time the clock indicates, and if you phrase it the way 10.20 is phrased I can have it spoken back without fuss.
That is 11.26
